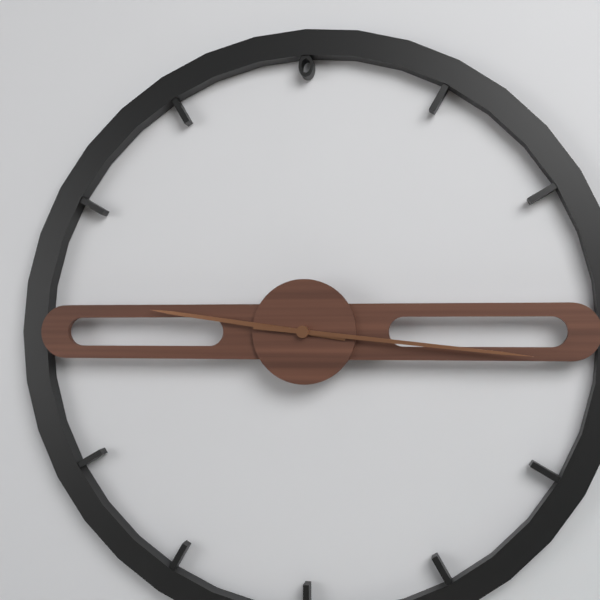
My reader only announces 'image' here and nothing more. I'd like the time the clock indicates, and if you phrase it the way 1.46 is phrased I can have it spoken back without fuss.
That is 9.16
